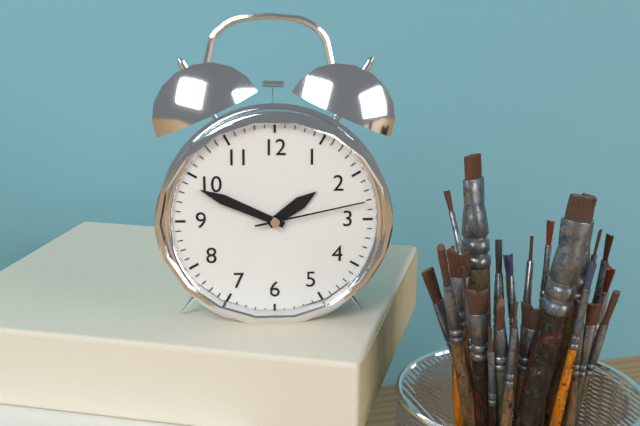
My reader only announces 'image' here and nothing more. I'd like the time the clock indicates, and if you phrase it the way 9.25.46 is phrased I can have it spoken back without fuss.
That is 1.49.13
